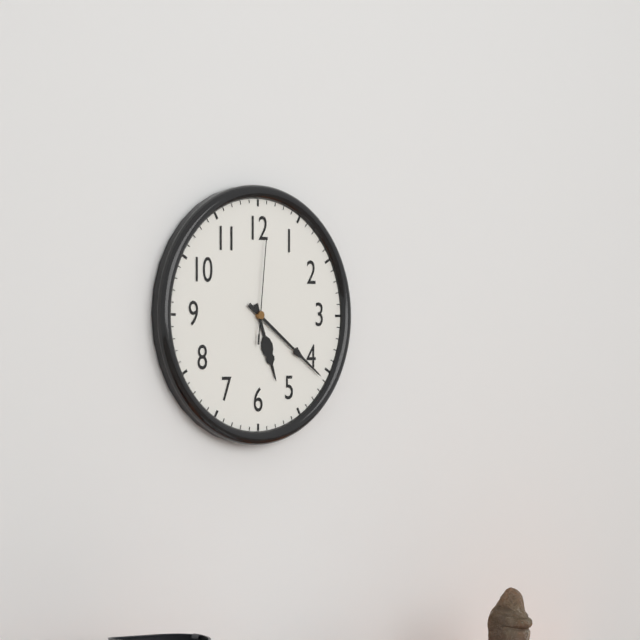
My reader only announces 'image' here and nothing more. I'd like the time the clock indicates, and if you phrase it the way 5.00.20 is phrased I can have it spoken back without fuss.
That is 5.21.01
